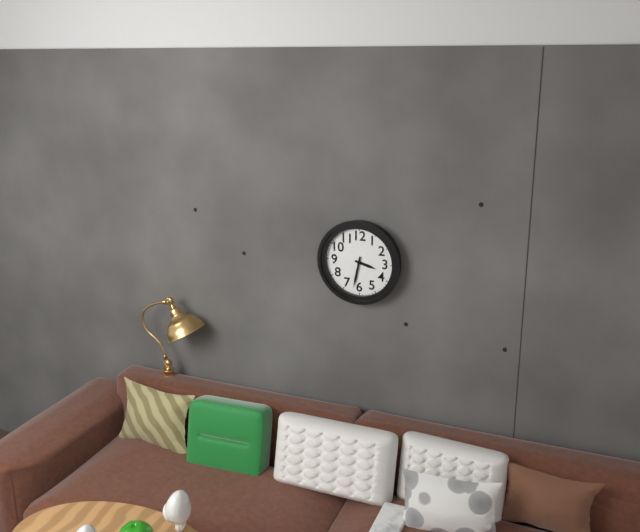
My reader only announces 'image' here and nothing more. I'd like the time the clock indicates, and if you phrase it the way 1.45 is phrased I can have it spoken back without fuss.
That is 3.32
